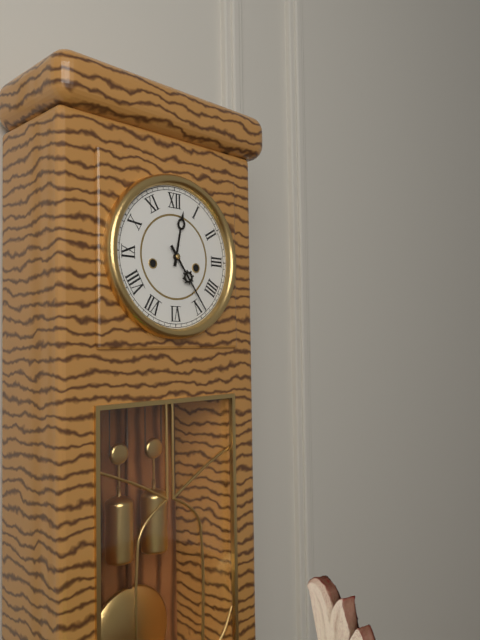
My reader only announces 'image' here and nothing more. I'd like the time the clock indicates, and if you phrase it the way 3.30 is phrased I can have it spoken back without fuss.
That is 12.24
